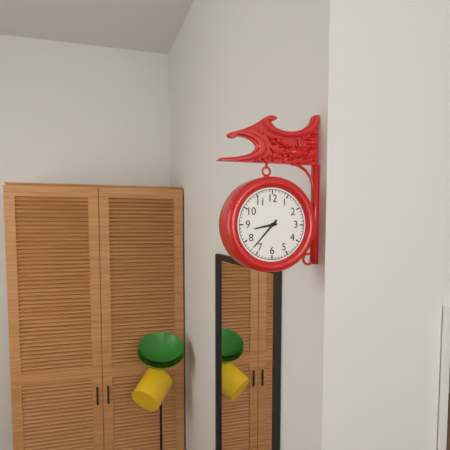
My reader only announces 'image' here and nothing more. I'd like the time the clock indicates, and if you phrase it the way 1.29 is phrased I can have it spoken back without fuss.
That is 8.37
